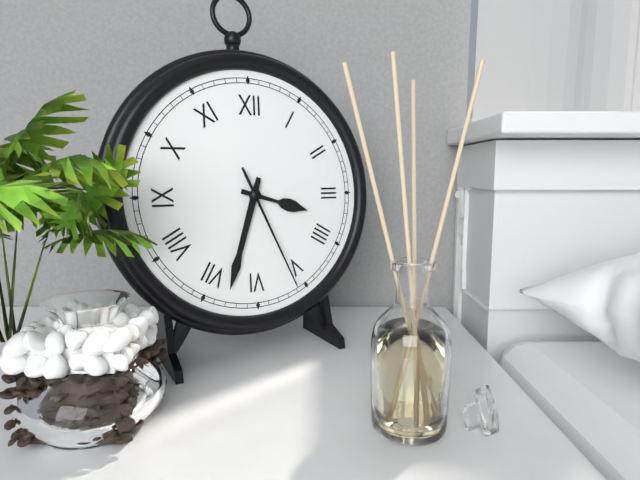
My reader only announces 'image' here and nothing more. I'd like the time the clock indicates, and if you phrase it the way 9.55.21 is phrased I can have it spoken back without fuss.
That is 3.33.26
